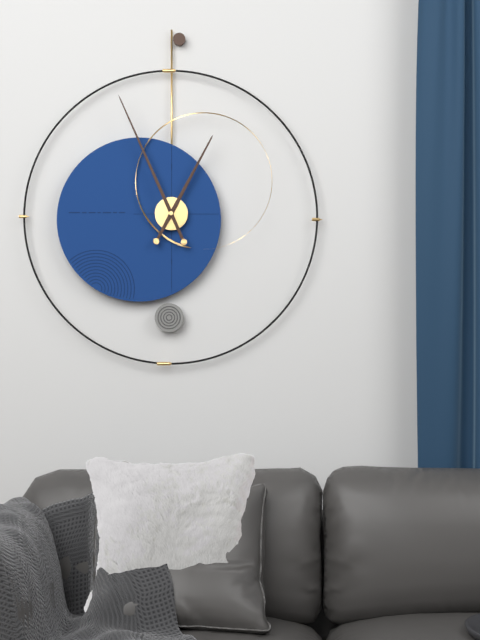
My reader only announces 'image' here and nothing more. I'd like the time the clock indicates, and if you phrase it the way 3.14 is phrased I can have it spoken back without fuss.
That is 12.56
